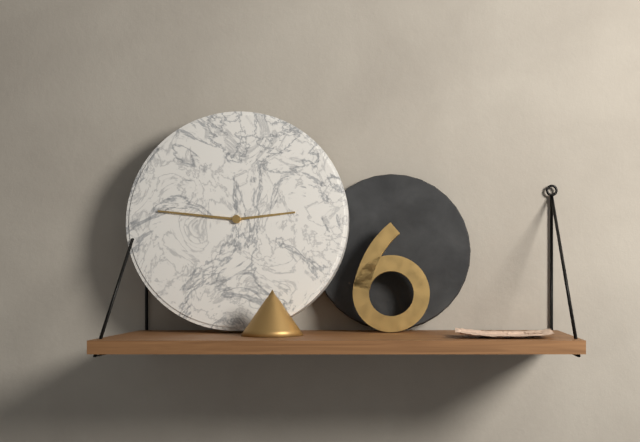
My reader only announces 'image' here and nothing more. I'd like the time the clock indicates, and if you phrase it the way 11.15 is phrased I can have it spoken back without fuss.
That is 2.46
